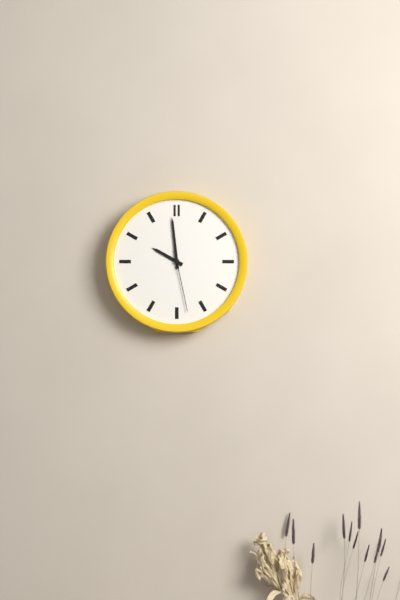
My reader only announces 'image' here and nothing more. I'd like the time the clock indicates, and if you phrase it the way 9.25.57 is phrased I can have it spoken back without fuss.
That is 9.59.28
